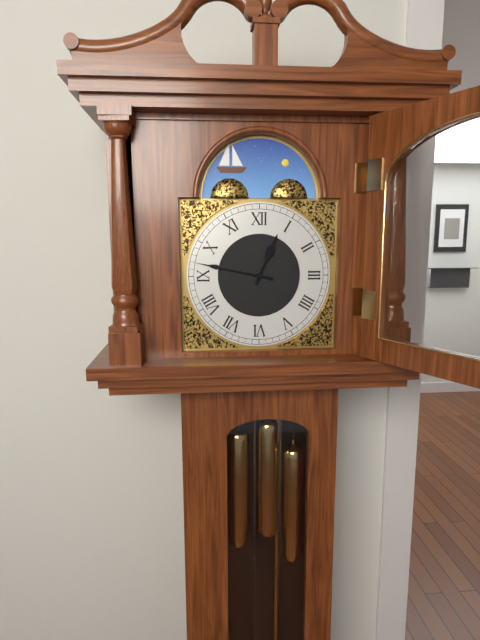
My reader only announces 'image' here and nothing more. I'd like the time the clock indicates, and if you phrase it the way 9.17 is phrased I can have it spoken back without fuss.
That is 12.47
